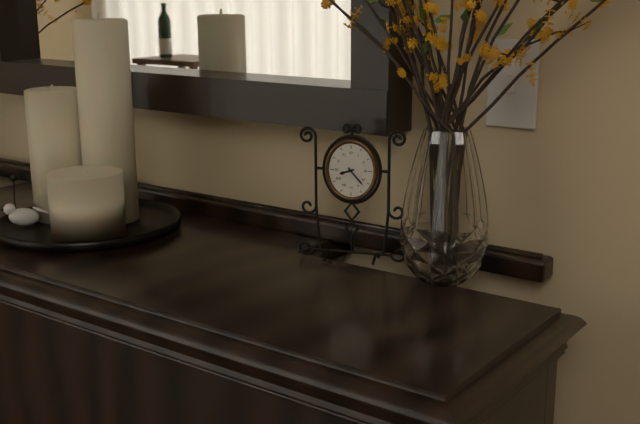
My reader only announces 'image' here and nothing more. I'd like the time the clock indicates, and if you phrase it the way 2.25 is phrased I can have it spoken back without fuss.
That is 8.23
